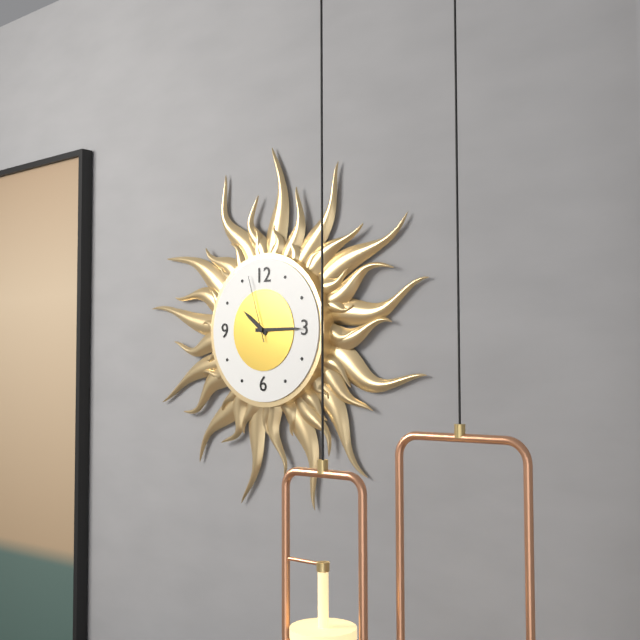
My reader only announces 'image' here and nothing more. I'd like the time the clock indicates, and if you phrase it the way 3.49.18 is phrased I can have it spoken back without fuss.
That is 10.15.57
